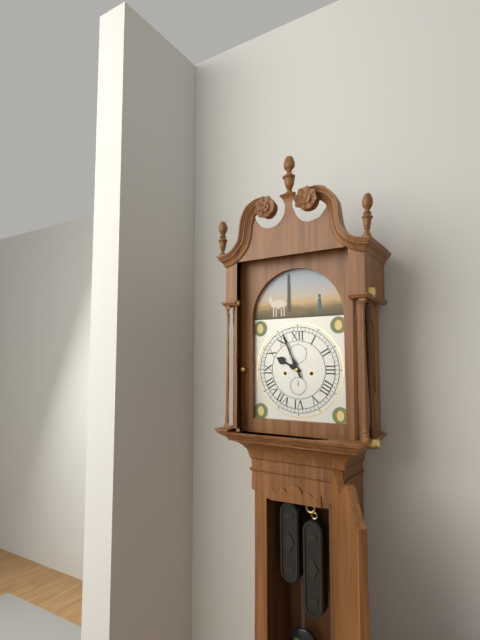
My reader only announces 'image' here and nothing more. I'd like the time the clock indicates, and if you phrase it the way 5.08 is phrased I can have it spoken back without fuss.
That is 9.56
